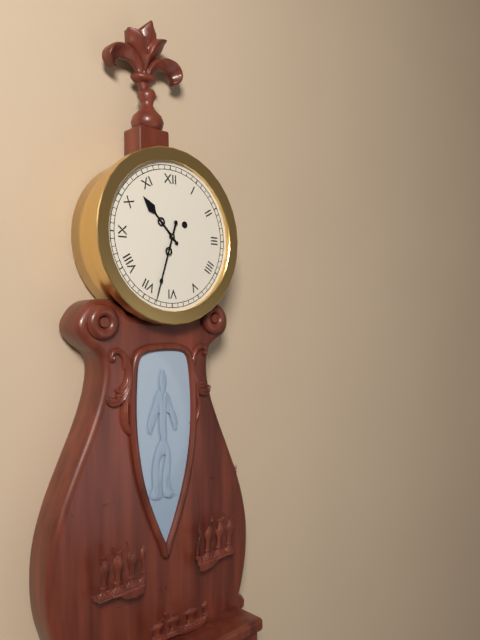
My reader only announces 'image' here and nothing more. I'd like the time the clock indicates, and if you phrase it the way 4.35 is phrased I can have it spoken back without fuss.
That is 10.33
